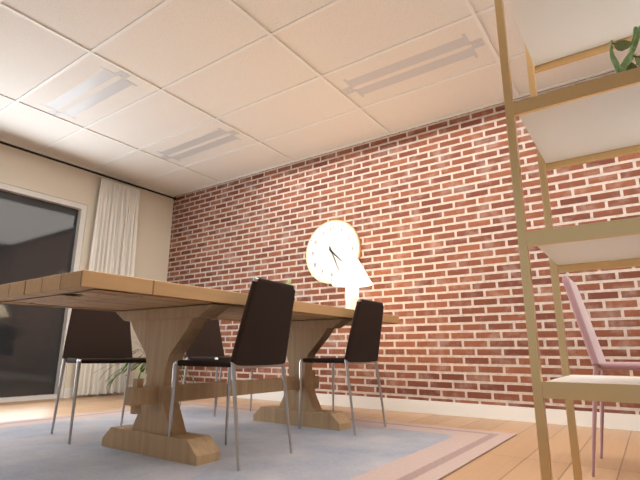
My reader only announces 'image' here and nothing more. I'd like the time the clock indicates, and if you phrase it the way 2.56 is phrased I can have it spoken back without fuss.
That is 4.26
